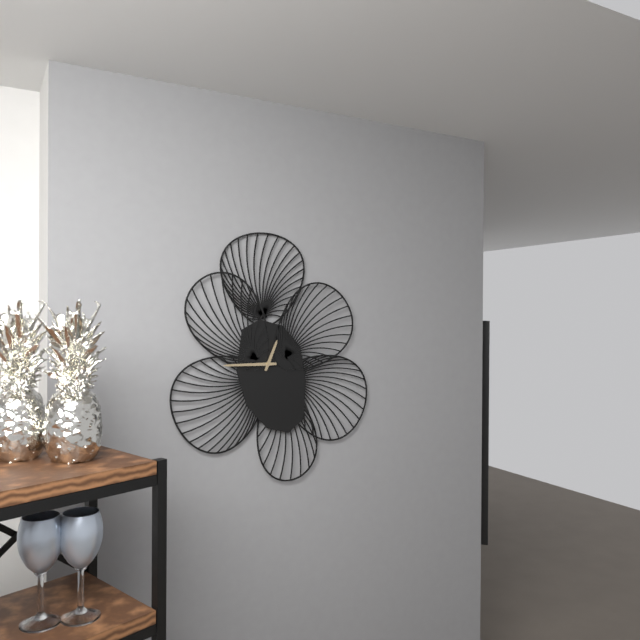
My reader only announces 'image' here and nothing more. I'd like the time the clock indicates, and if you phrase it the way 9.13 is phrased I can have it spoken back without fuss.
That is 12.45
